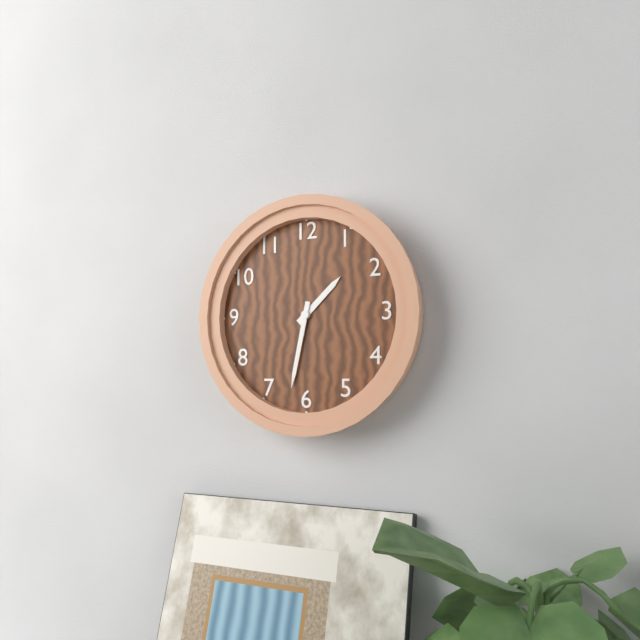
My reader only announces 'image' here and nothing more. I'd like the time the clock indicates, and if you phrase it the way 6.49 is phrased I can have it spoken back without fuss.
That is 1.32
